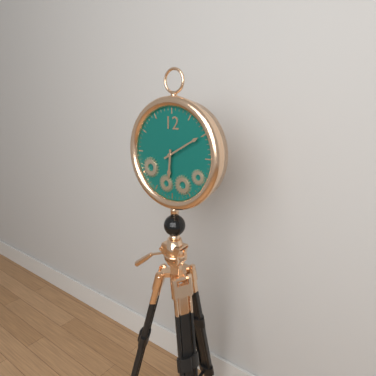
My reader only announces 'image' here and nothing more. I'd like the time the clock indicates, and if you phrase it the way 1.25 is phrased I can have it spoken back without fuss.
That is 6.10
